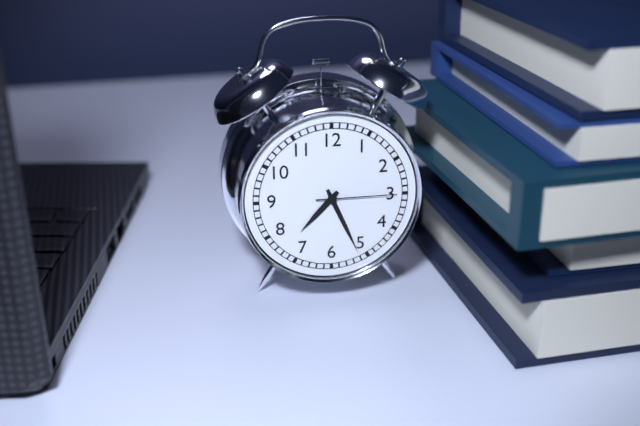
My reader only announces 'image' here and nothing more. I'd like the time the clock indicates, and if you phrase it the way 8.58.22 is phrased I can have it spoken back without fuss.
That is 7.26.15
